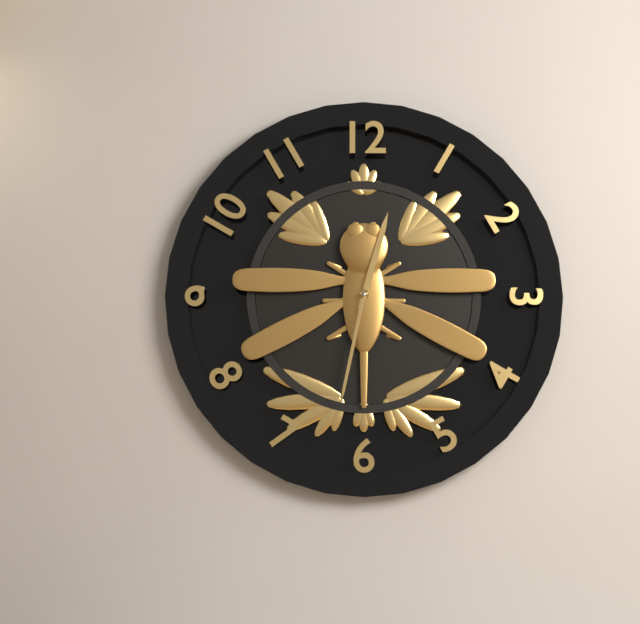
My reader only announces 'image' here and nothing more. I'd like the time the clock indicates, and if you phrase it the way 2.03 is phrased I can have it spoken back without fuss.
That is 12.32
